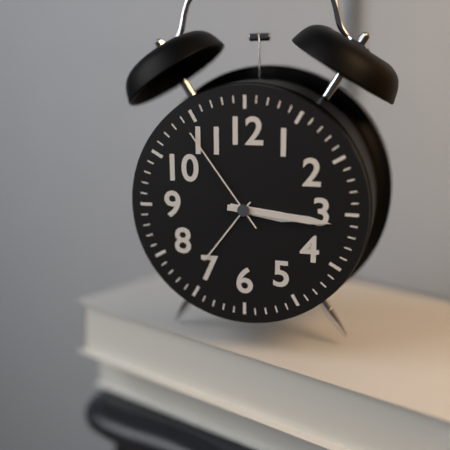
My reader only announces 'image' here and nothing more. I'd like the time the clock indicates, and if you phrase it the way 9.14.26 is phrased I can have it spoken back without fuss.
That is 3.16.54
